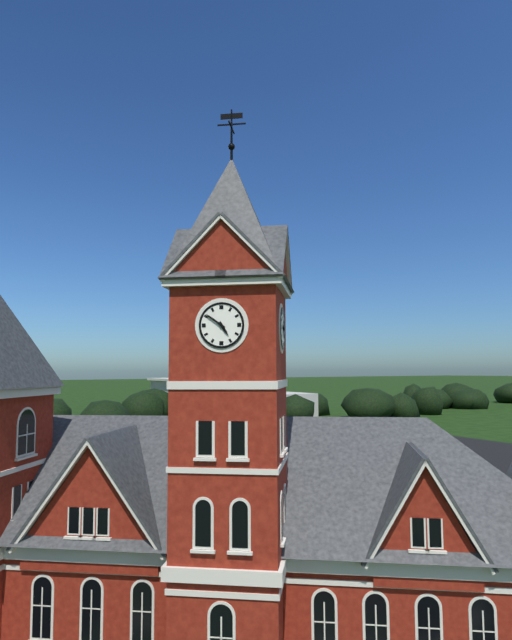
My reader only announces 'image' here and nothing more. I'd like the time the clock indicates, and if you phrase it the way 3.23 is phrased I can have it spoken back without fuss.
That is 4.51
